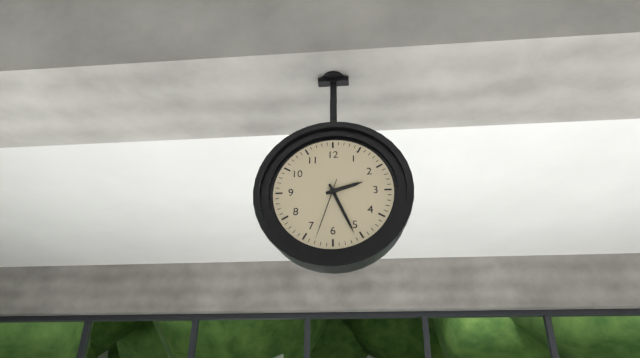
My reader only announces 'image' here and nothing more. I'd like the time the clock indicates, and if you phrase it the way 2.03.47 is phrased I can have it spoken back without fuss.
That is 2.26.33
